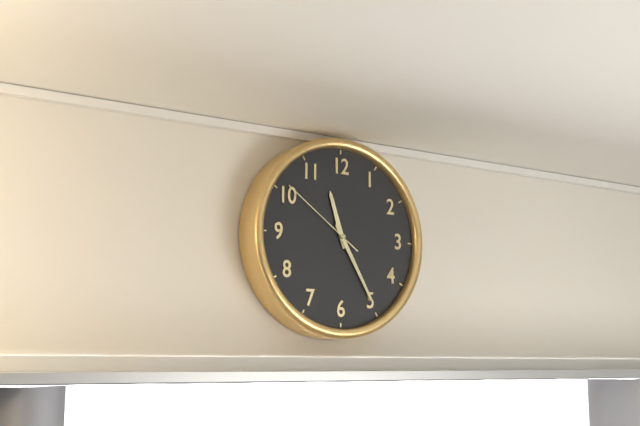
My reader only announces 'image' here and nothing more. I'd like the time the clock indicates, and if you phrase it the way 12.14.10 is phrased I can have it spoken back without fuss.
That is 11.25.51
